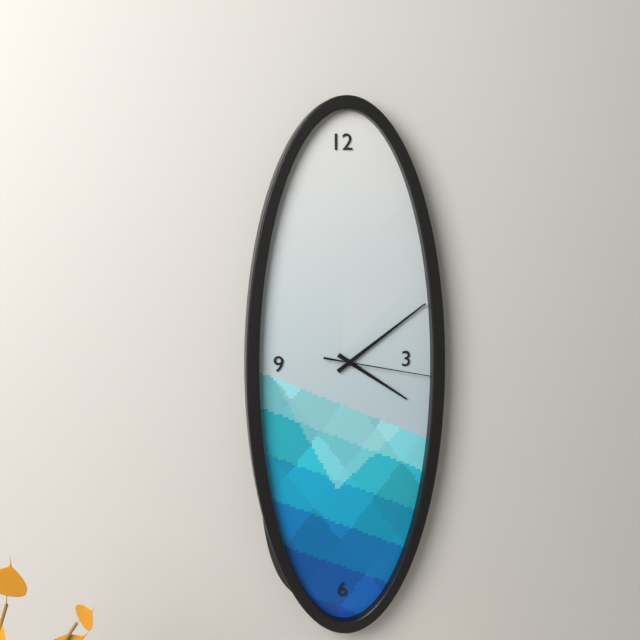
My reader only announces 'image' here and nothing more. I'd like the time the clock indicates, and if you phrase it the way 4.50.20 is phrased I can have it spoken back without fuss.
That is 4.09.17
